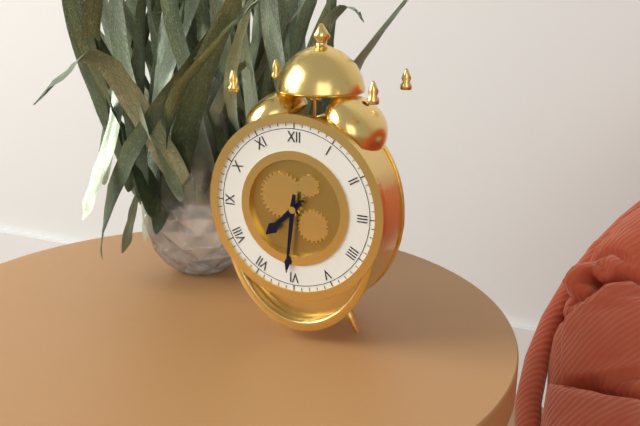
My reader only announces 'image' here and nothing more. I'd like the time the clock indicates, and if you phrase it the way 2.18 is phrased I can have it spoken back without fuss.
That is 7.31
